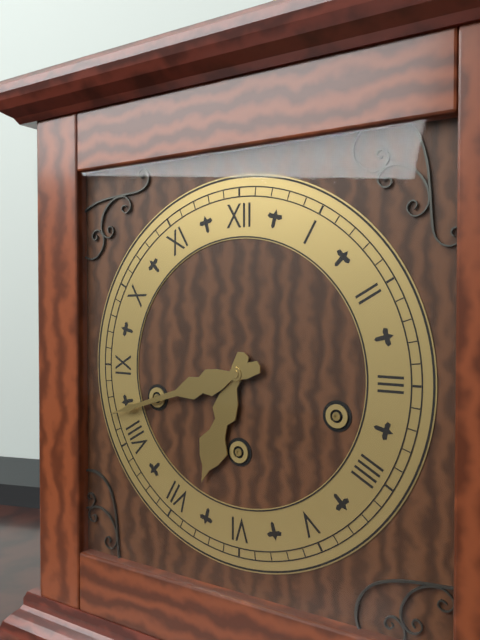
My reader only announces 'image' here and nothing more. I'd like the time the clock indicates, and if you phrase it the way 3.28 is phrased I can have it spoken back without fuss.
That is 6.42
